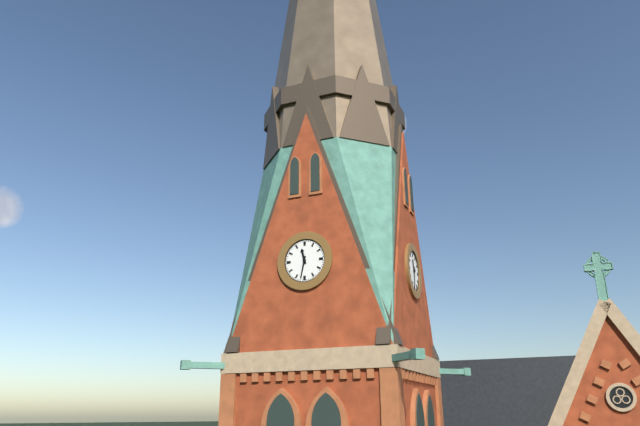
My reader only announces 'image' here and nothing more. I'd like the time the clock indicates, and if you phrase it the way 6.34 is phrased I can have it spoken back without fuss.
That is 11.32
